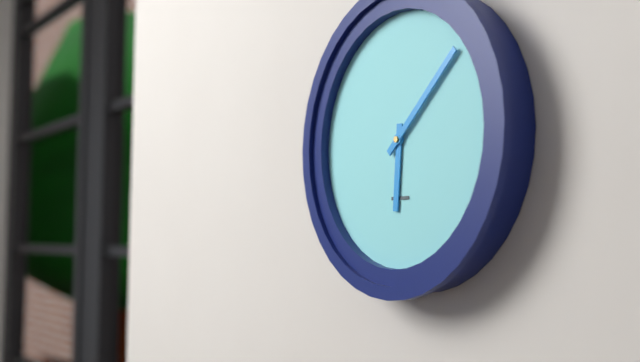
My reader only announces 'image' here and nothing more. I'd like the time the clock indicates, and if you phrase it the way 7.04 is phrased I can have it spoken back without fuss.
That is 6.08
